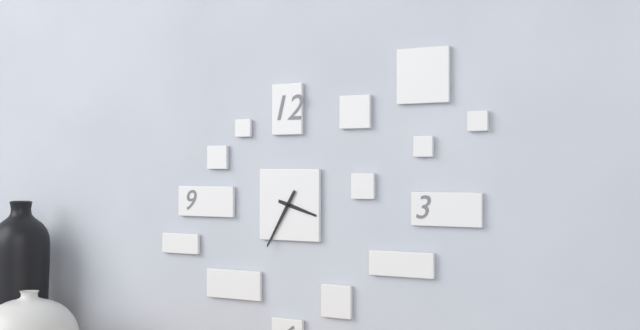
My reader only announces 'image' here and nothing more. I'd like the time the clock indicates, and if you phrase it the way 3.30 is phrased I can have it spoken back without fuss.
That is 3.35
